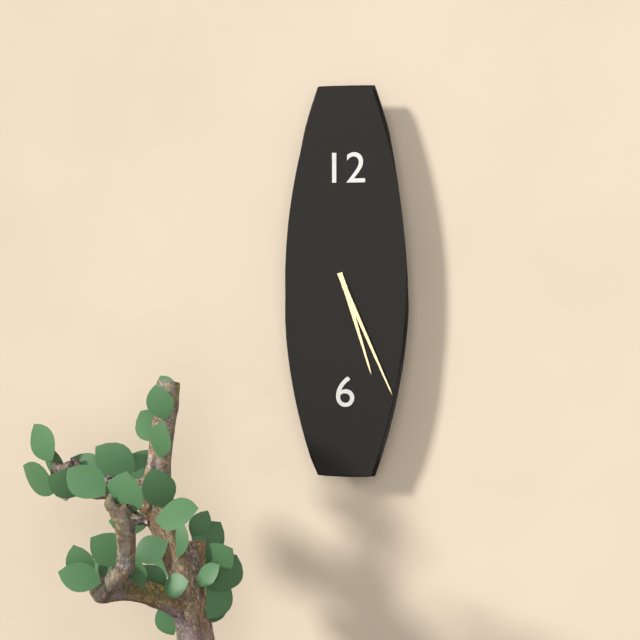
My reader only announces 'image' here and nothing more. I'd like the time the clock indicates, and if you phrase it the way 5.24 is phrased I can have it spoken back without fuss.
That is 5.26
